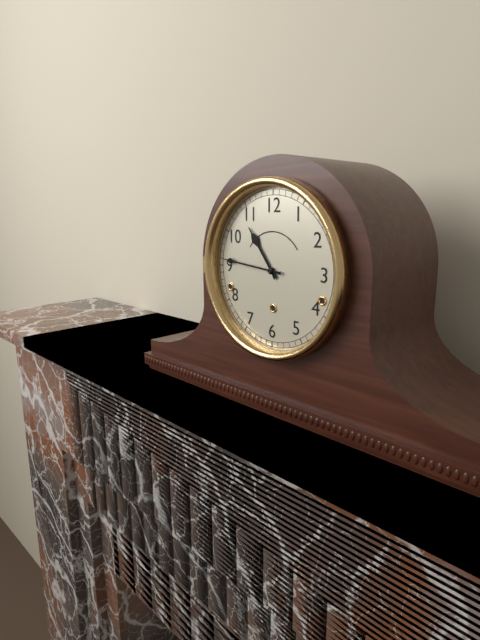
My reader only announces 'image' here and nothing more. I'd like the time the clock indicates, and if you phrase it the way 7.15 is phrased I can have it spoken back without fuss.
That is 10.46
